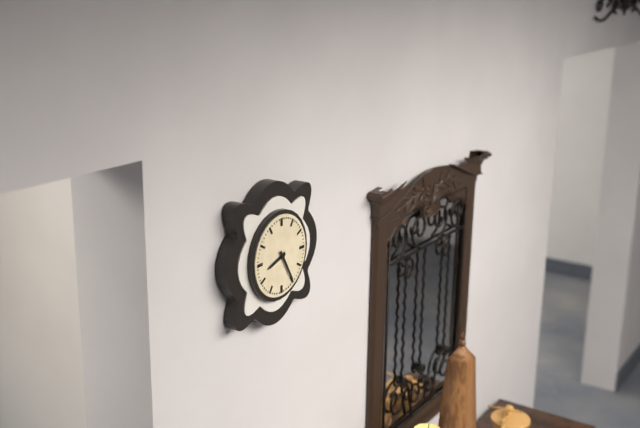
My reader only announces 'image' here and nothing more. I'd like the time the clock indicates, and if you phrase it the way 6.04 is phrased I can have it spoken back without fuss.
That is 8.25
